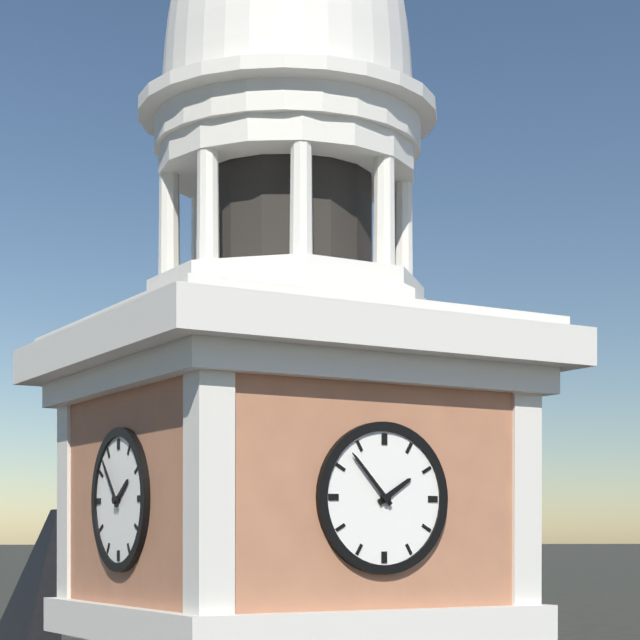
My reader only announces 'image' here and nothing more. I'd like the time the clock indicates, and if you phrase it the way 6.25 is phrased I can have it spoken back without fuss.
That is 1.53
